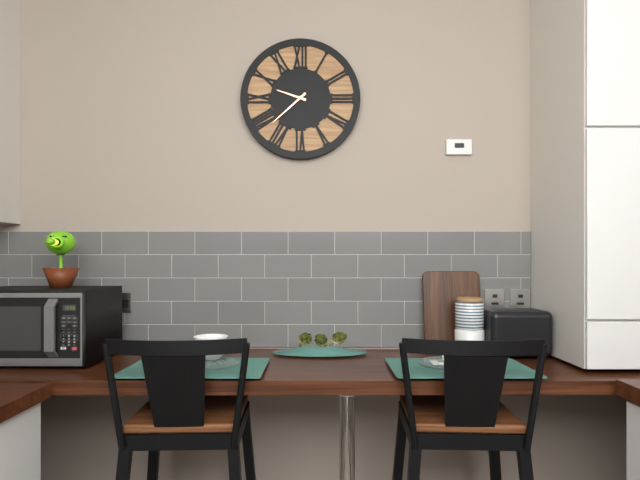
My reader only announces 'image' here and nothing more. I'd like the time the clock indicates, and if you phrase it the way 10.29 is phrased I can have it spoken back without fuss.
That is 9.38
